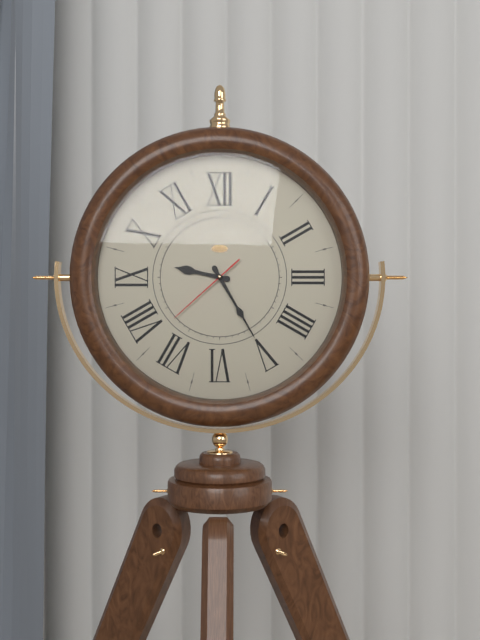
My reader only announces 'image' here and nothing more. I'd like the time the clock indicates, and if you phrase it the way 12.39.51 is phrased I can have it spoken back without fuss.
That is 9.25.38
